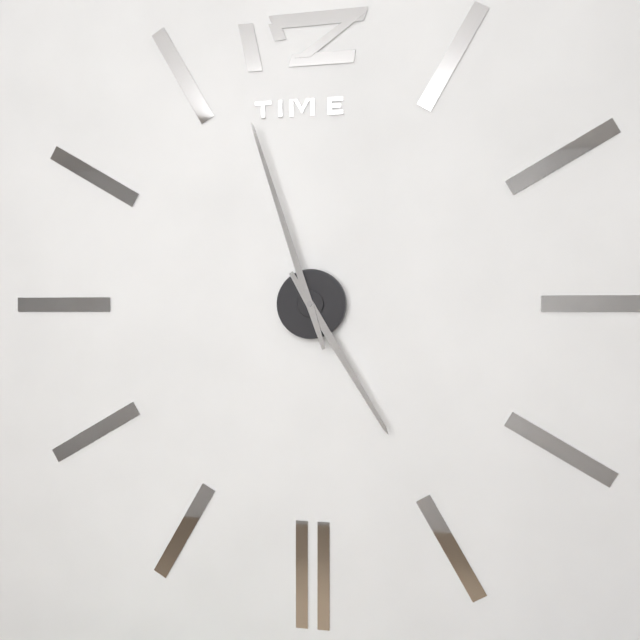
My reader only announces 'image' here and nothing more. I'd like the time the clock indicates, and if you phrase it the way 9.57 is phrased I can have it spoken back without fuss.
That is 4.57
